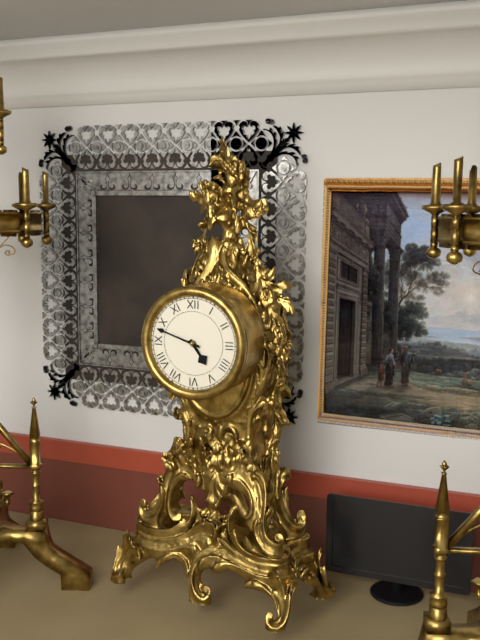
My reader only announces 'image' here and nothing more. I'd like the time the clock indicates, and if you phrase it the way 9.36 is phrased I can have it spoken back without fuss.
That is 4.48
